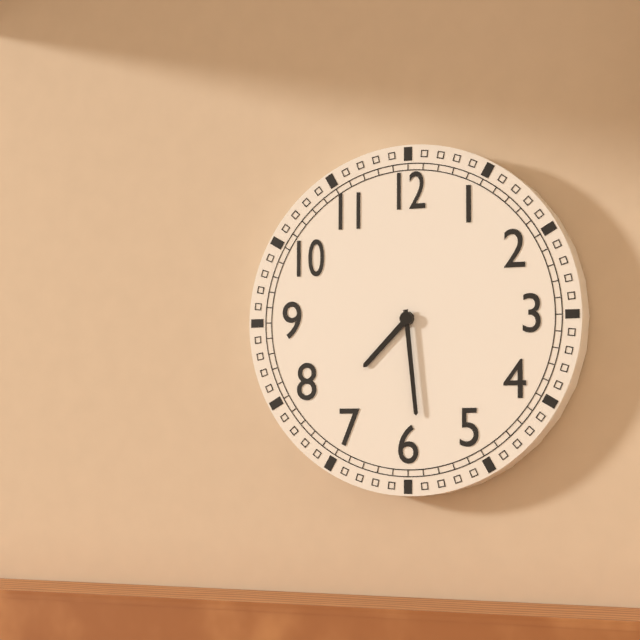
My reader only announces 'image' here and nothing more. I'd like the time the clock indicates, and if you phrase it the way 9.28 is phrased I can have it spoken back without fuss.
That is 7.29
